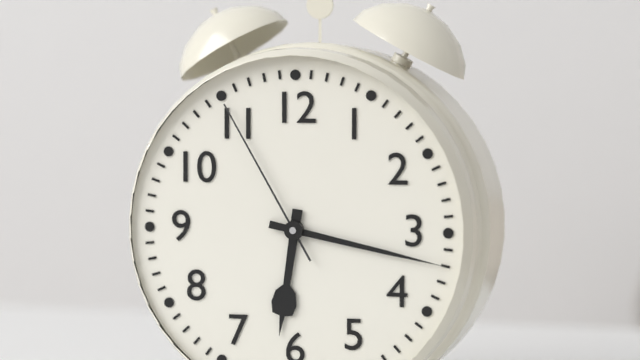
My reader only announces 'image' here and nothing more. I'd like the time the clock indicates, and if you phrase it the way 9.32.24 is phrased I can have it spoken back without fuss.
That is 6.17.55
